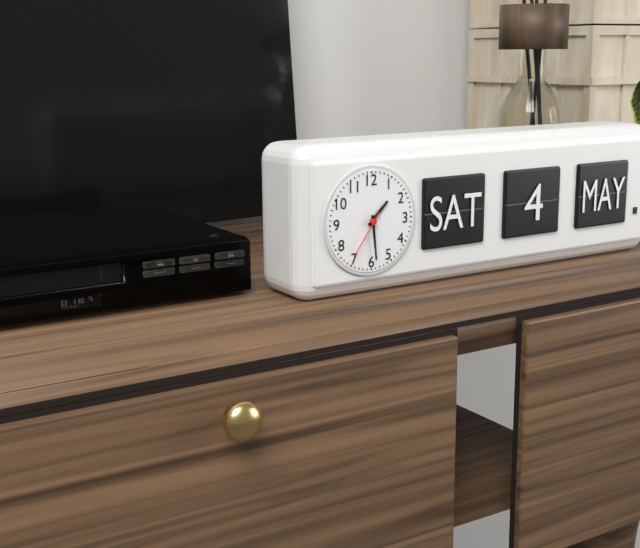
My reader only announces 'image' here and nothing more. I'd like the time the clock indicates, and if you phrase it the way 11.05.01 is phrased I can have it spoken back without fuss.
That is 1.29.36
